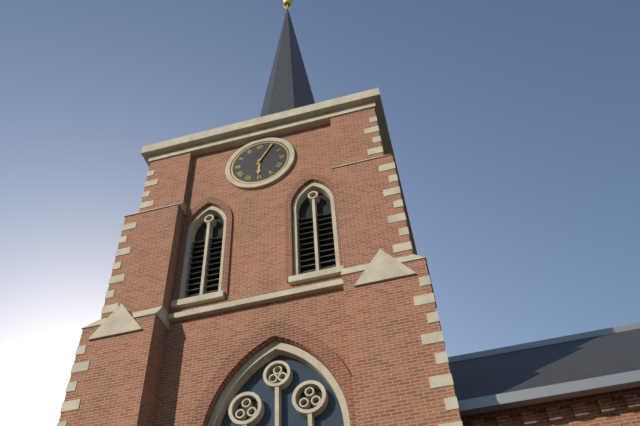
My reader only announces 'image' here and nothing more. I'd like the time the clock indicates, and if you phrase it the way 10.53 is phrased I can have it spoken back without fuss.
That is 6.05
